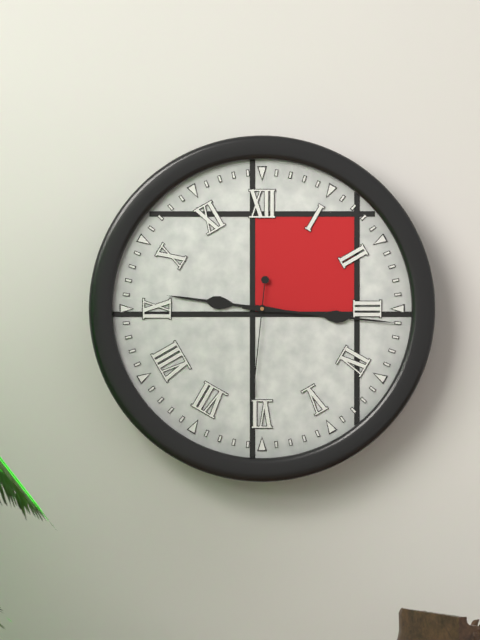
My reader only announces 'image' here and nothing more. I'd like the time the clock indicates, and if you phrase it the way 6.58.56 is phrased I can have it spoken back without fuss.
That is 9.16.31
